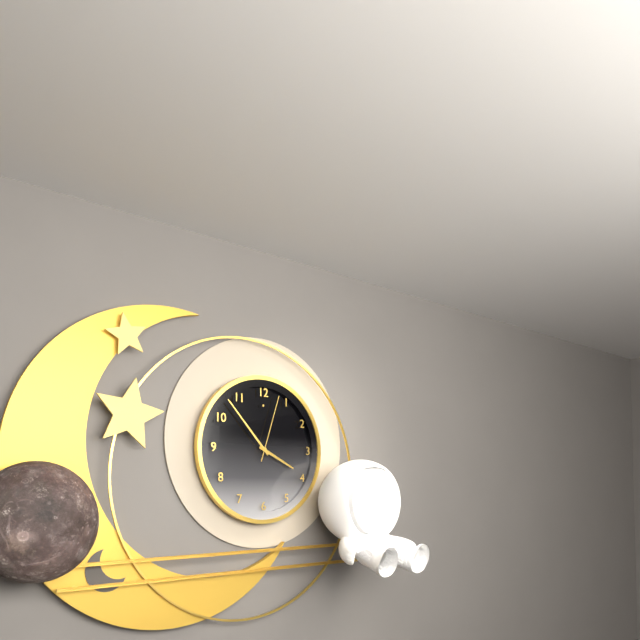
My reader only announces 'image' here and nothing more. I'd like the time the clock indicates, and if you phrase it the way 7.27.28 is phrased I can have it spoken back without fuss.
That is 3.53.03
